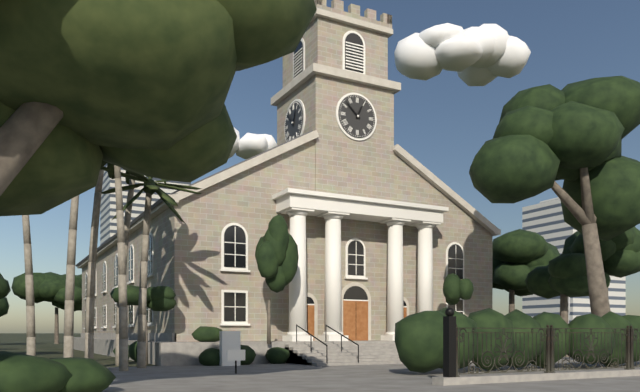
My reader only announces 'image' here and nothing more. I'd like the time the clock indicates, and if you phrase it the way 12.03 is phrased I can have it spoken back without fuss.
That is 12.52
